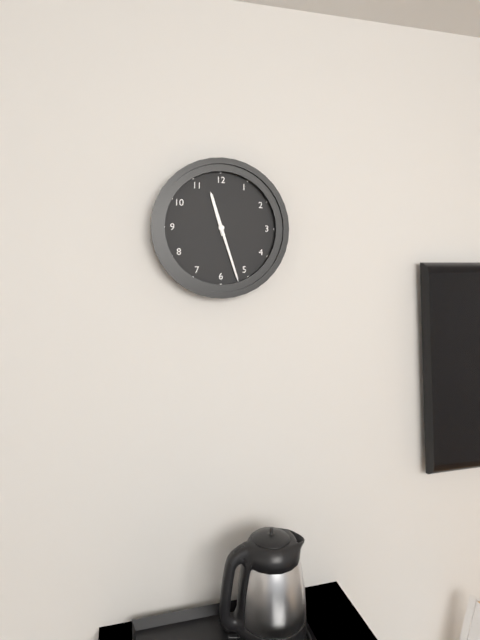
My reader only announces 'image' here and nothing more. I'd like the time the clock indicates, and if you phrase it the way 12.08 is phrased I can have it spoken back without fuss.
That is 11.27
